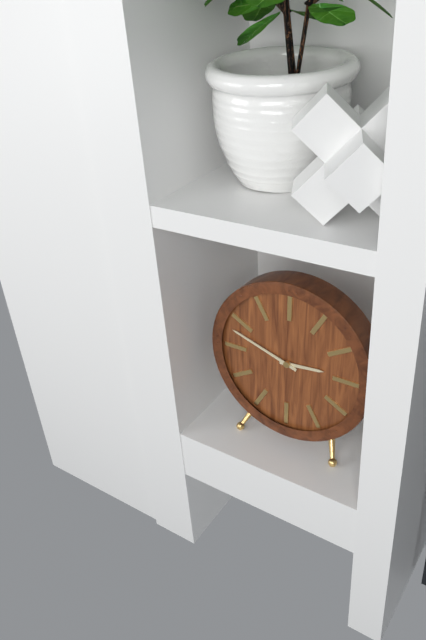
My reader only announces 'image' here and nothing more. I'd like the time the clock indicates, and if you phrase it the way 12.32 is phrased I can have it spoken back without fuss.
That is 2.48
